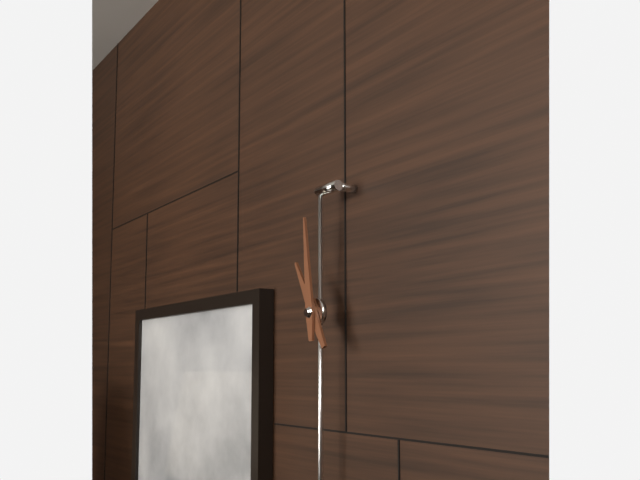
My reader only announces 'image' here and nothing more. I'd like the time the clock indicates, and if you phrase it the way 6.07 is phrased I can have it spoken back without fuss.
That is 10.59
